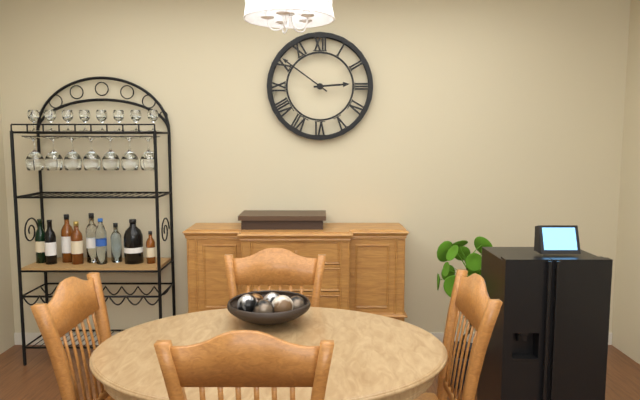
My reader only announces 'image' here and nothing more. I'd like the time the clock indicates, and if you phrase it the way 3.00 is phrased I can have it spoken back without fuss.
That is 2.51
